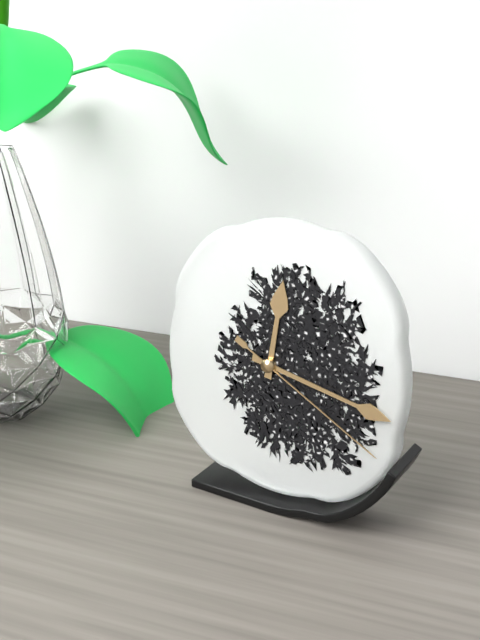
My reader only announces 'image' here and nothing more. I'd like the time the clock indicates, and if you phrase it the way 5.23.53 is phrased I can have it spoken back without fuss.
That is 12.17.20
